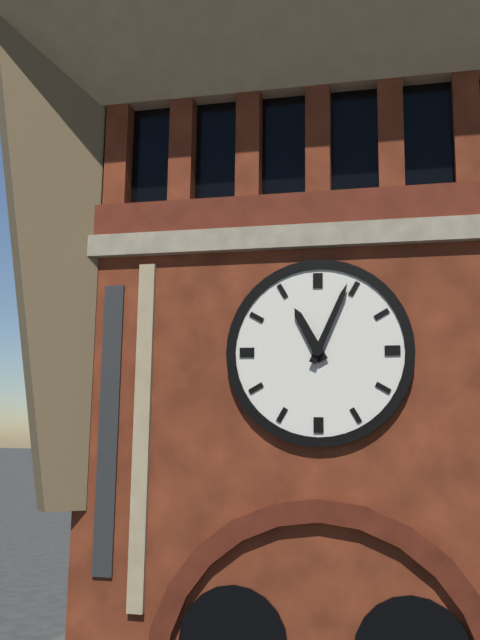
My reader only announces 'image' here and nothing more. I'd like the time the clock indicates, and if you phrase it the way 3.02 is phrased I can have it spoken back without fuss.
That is 11.04
